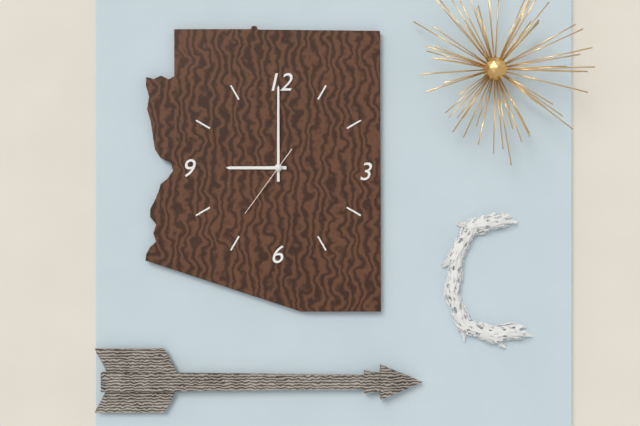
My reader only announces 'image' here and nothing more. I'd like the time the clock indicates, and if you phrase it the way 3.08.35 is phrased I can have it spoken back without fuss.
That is 9.00.36
